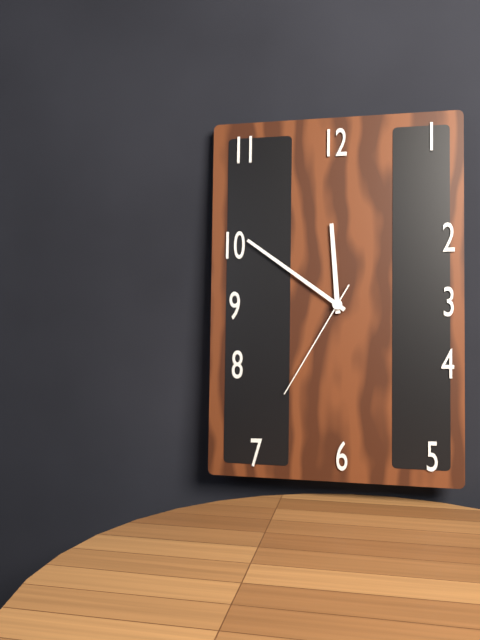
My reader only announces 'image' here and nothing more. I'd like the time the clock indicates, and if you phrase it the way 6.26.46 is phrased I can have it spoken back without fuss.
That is 11.51.35
